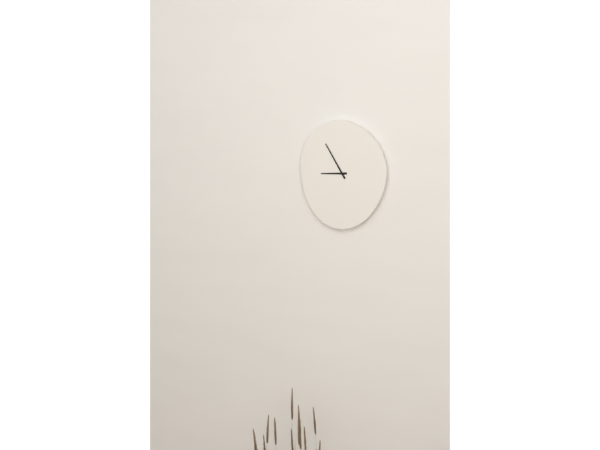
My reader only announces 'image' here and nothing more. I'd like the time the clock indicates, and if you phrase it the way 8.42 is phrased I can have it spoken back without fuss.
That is 8.55
